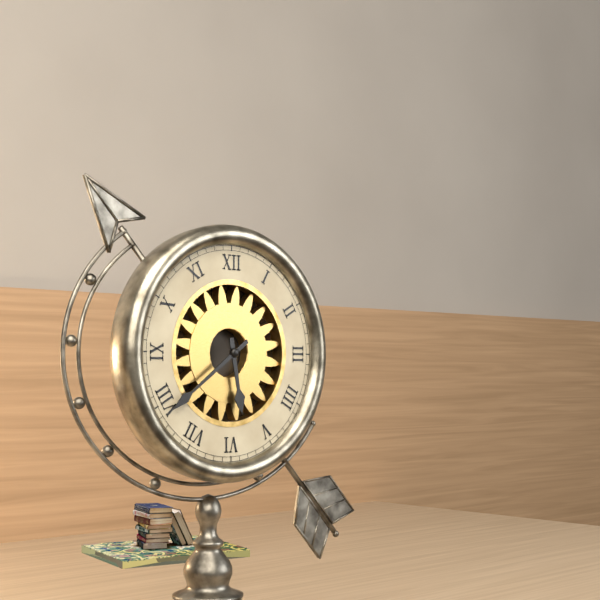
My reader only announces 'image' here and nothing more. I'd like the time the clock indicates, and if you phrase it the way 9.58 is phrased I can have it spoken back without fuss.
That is 5.39
